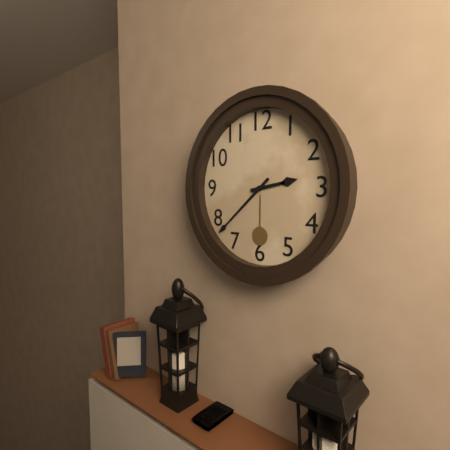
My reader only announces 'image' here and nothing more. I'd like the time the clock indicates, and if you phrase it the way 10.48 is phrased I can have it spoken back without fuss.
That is 2.38
